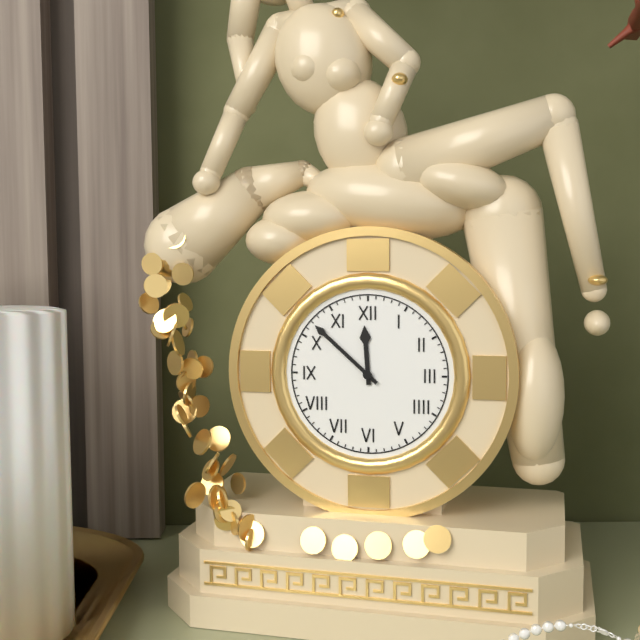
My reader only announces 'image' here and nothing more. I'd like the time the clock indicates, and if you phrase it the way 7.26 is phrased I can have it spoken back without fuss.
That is 11.52
